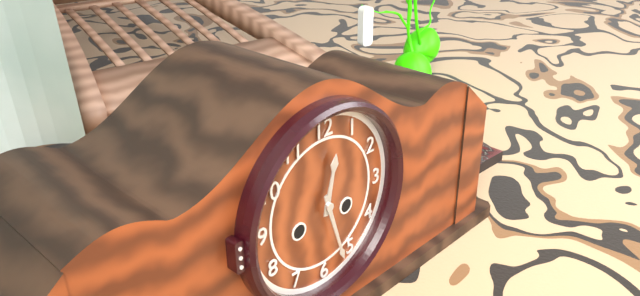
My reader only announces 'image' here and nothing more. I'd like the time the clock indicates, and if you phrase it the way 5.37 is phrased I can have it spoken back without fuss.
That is 12.27
